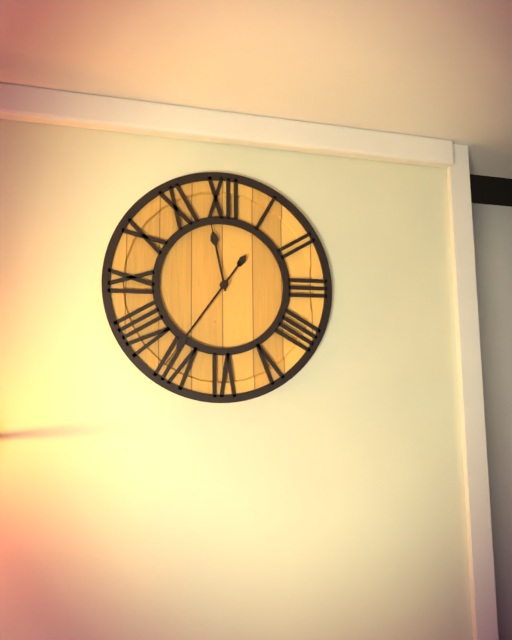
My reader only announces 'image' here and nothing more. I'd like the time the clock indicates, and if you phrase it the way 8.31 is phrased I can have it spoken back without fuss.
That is 11.36
